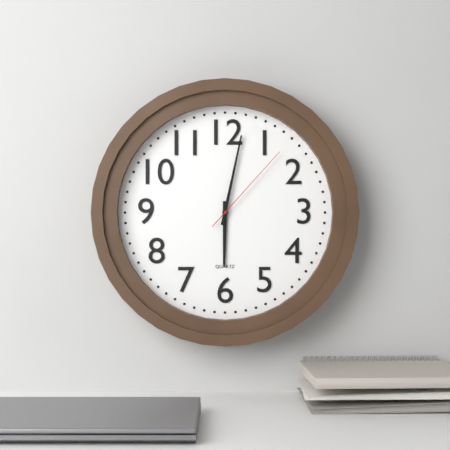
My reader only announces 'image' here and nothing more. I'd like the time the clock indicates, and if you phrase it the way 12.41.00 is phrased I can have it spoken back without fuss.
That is 6.02.07
